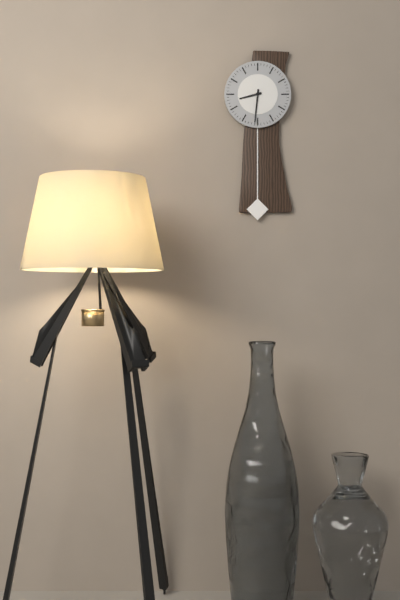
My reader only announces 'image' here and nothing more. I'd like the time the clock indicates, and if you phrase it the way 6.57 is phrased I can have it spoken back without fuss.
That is 8.31
